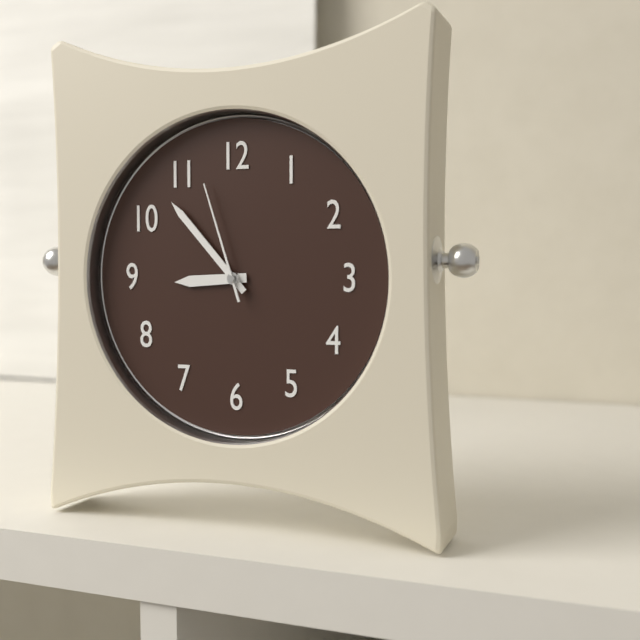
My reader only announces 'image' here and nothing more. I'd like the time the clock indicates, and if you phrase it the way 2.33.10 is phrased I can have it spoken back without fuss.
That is 8.53.57
